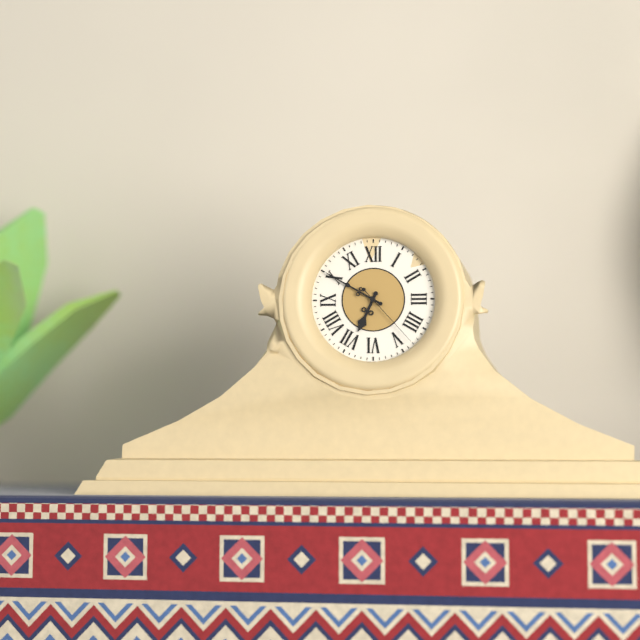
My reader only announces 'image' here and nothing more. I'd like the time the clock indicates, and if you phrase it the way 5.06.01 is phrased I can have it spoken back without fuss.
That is 6.50.23
